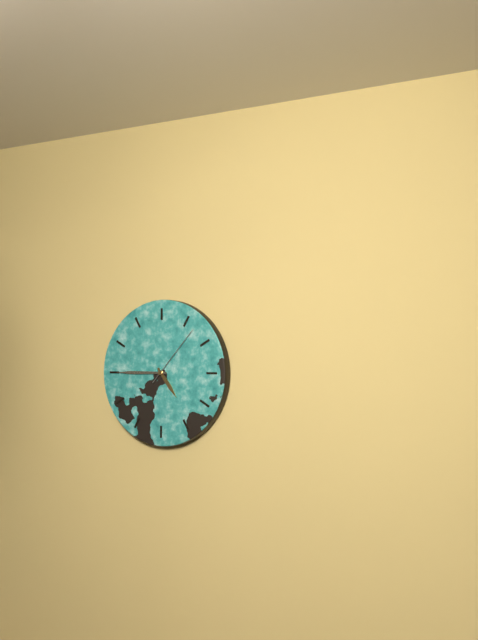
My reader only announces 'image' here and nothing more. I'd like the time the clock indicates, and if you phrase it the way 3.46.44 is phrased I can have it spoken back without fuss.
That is 4.45.07
